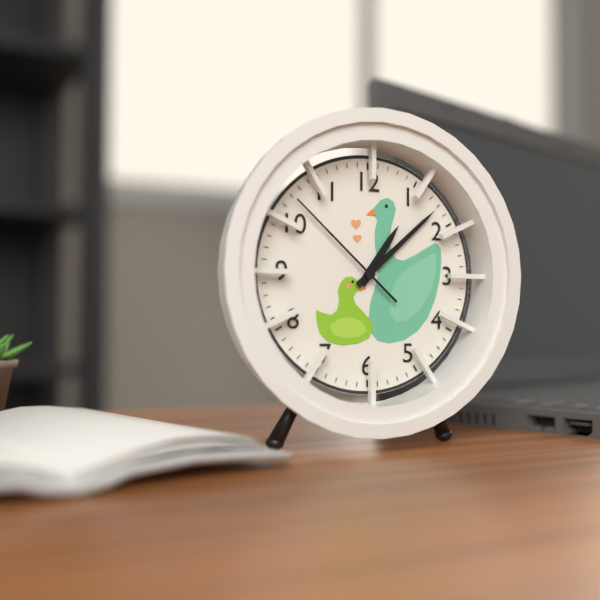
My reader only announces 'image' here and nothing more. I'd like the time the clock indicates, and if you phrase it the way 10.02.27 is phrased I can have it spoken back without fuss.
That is 1.08.52
